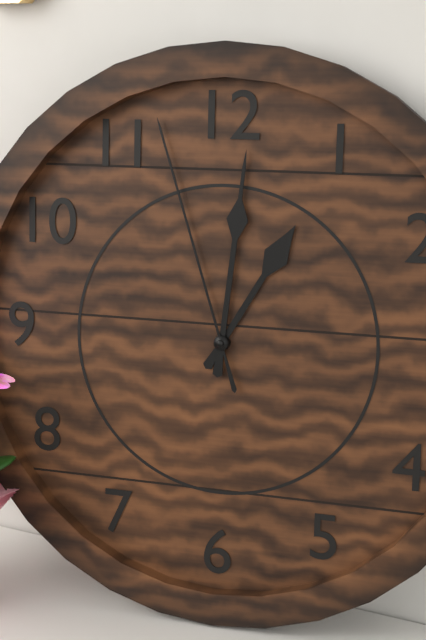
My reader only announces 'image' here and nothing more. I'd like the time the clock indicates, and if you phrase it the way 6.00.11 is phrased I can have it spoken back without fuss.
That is 1.01.57
